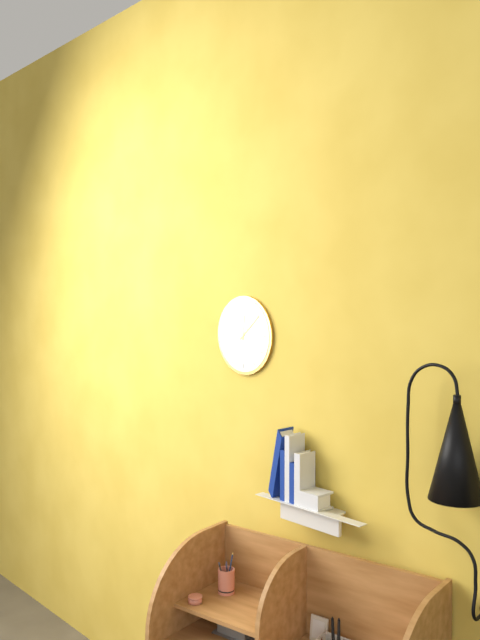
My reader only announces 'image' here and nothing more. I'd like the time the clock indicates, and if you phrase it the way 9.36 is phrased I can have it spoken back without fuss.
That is 12.08
